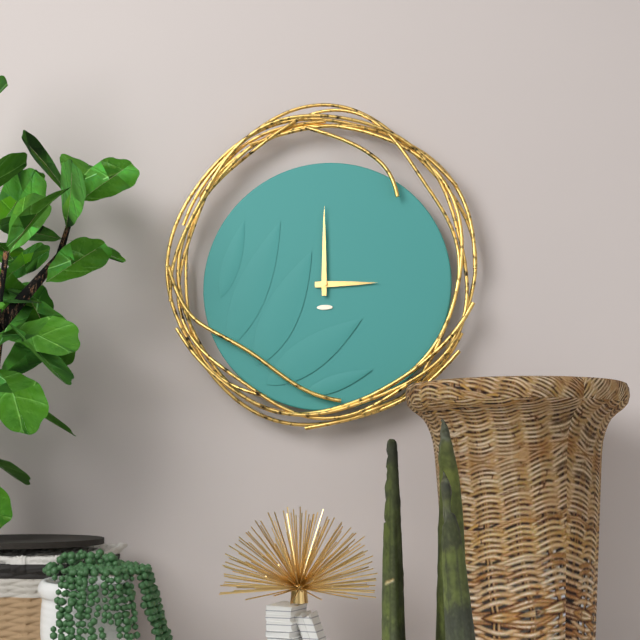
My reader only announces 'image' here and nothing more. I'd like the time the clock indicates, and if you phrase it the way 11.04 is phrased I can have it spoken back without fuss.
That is 3.00
